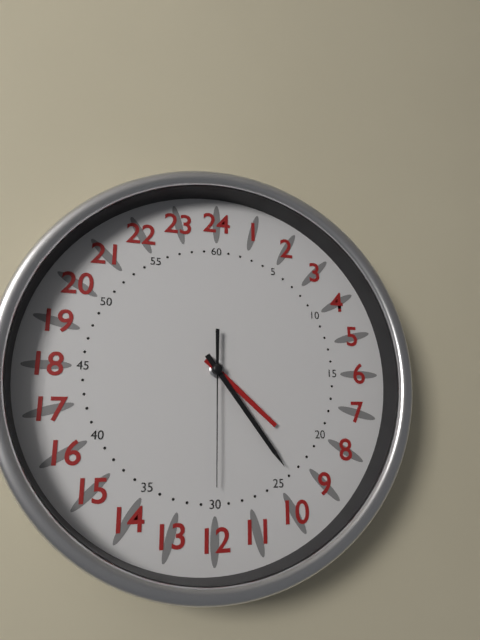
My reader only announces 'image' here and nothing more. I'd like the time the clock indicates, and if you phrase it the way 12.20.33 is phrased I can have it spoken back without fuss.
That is 4.24.30
